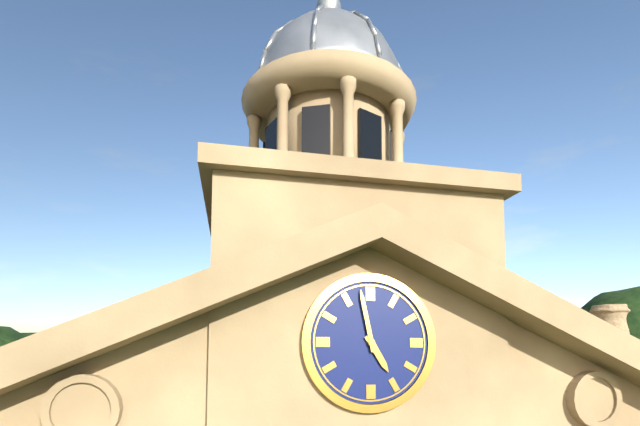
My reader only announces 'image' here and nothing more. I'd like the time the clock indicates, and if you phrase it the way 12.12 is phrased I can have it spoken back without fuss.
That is 4.58
